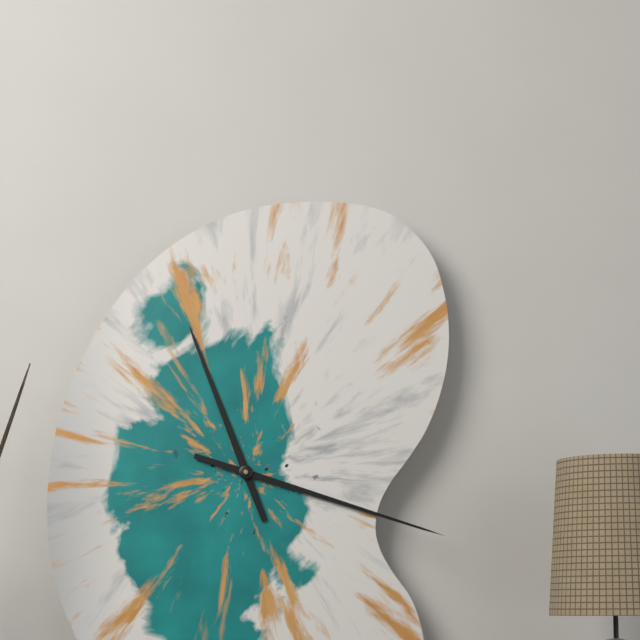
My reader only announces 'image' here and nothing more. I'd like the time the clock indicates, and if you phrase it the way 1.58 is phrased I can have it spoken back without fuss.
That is 11.18
